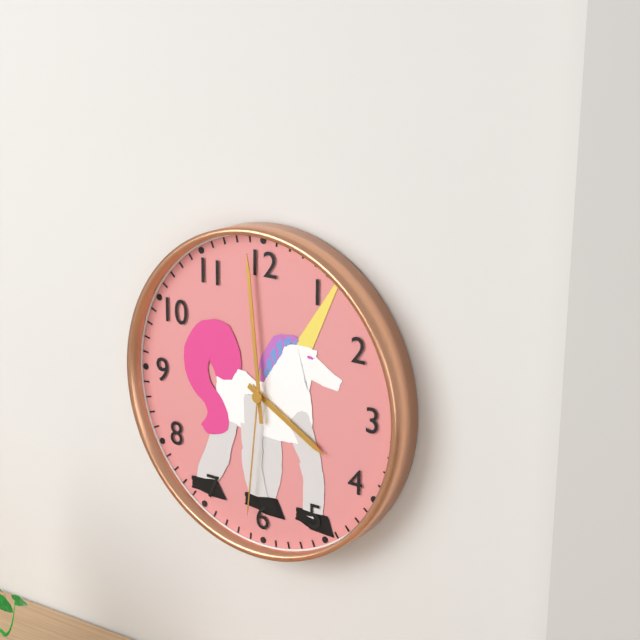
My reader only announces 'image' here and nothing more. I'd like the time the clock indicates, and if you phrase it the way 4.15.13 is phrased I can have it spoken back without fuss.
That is 3.59.31
